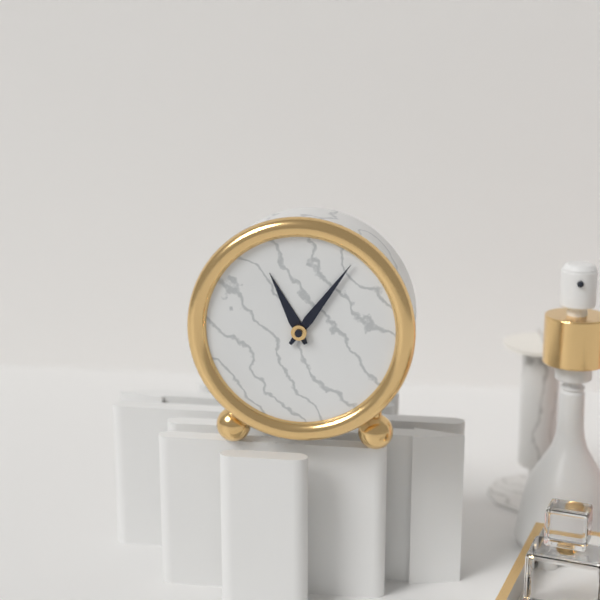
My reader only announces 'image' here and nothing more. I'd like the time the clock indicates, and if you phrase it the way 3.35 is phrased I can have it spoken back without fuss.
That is 11.06
